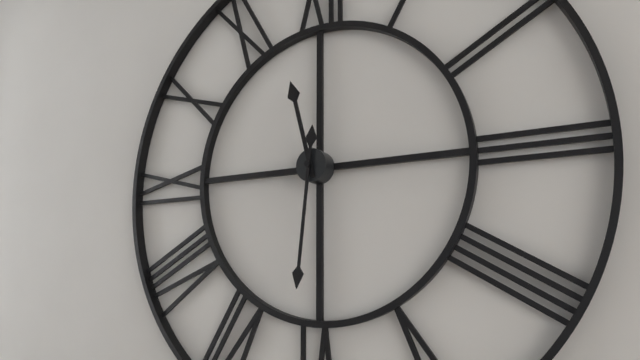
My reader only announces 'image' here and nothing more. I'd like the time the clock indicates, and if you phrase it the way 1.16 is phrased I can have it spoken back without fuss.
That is 11.31
